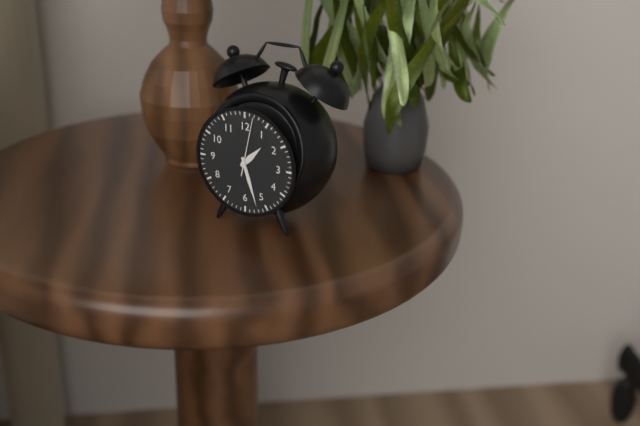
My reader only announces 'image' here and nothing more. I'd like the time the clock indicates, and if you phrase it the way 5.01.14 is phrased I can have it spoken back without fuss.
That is 1.27.02
